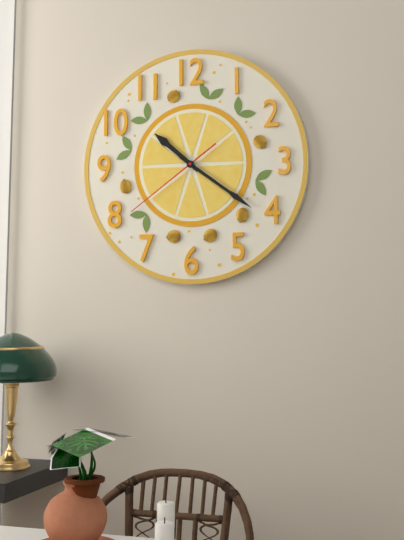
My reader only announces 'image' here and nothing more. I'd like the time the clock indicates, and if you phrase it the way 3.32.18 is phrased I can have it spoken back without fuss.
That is 10.21.39
